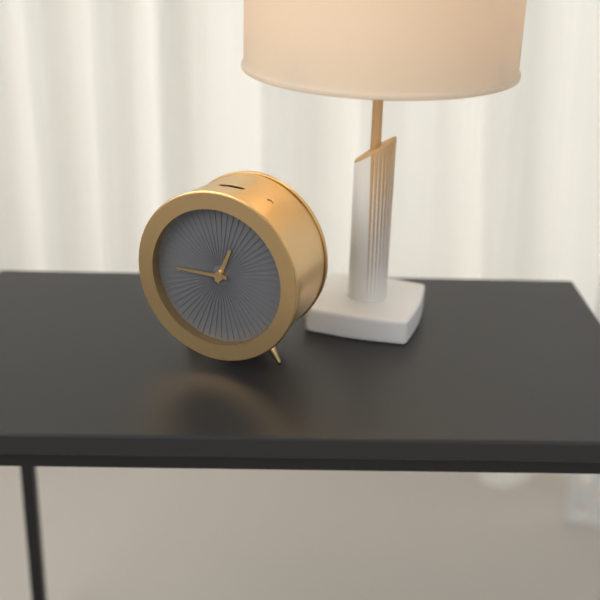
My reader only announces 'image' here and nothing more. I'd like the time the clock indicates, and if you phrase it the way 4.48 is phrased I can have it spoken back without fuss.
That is 12.45
